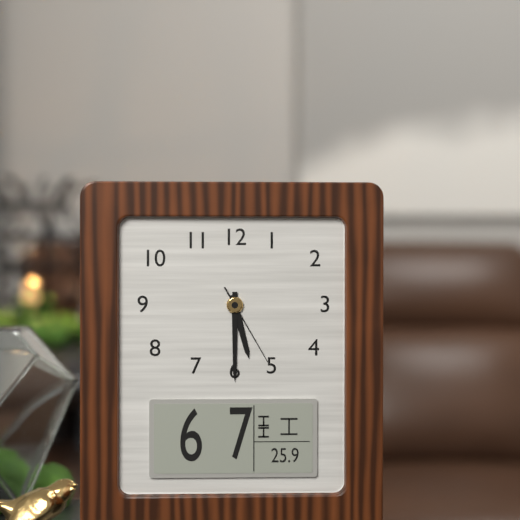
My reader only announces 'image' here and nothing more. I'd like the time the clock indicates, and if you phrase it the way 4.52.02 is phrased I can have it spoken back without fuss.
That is 5.30.25
